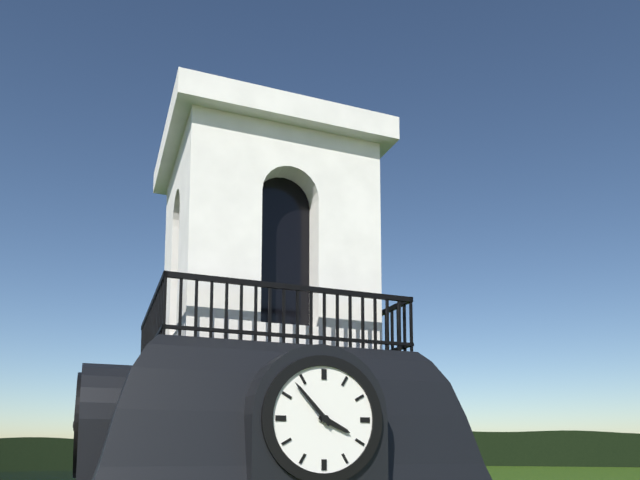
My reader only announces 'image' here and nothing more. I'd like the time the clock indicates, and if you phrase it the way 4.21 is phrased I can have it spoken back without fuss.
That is 3.53
